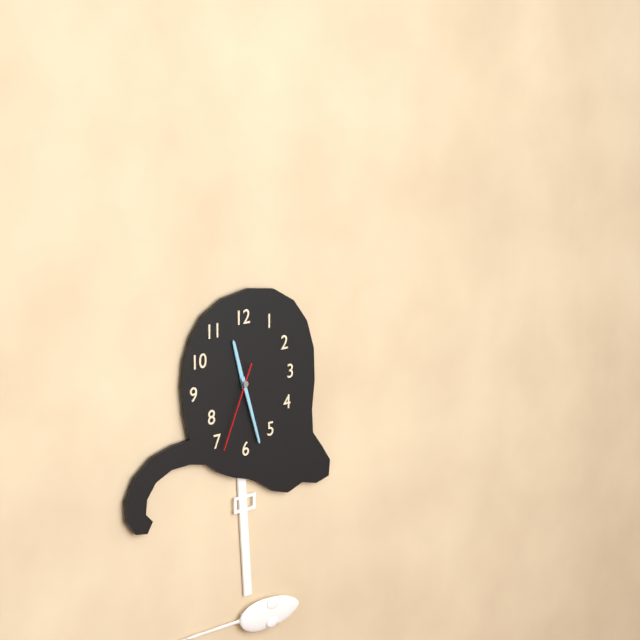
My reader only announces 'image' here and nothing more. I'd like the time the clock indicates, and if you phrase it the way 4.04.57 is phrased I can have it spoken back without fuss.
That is 11.27.34
